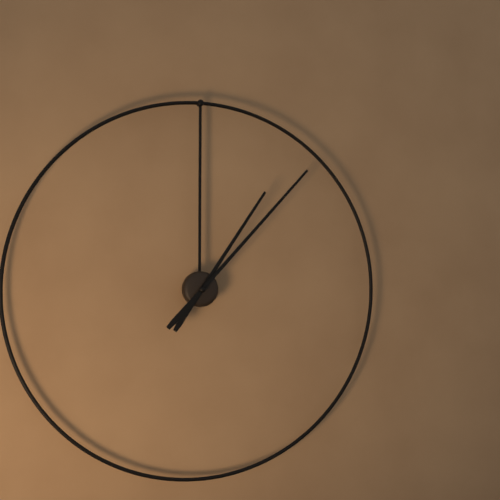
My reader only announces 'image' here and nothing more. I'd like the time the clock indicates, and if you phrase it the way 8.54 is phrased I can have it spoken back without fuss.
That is 1.07
